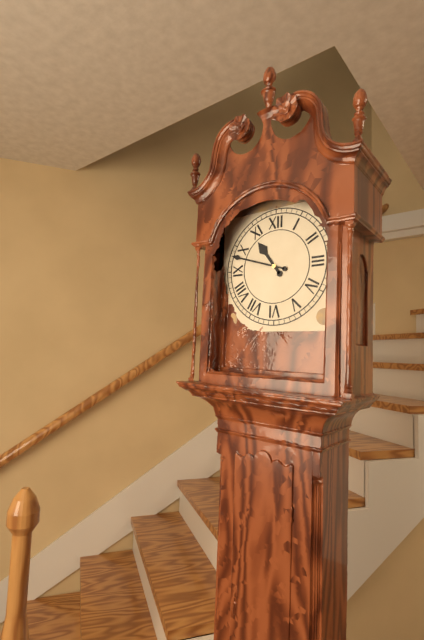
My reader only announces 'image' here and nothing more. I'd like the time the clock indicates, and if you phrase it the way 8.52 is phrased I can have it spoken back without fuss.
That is 10.48
